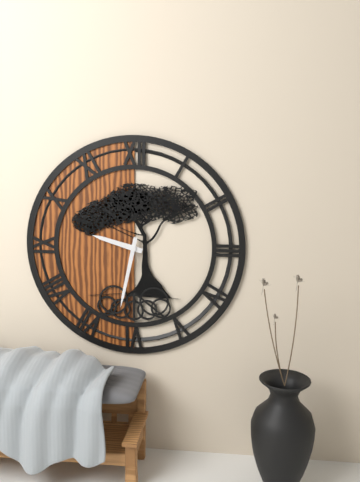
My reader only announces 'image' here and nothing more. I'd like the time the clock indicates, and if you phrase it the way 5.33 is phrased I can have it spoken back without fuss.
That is 9.32
